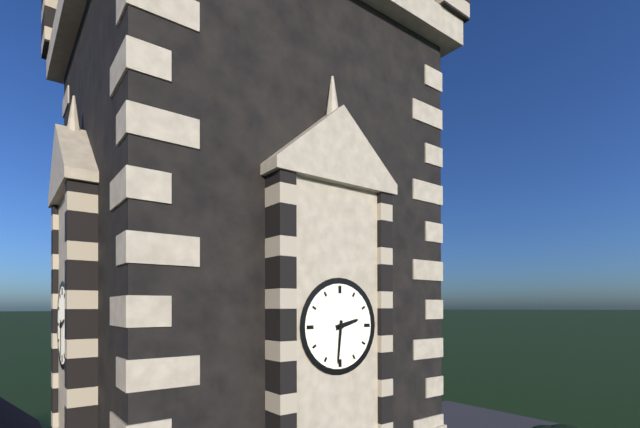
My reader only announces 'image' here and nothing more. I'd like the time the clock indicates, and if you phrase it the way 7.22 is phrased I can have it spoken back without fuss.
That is 2.31
